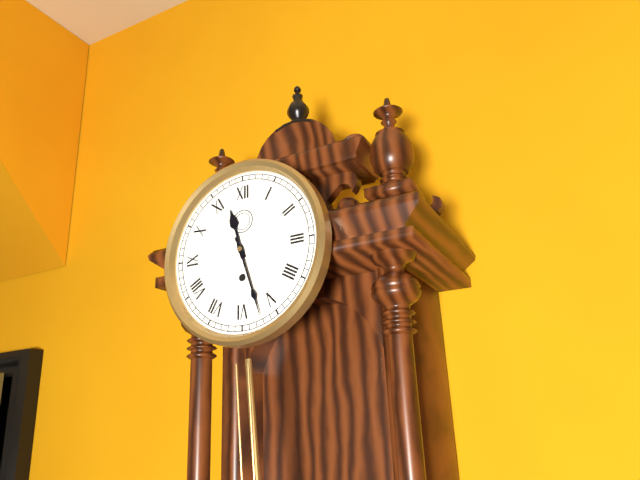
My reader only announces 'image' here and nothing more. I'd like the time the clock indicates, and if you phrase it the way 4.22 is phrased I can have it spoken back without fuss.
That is 11.27
